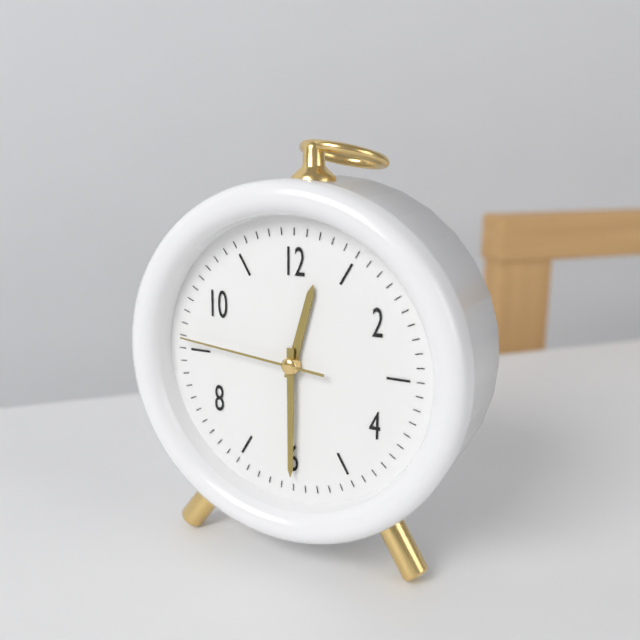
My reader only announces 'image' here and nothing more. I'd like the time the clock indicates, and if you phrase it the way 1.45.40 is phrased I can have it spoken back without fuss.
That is 12.30.46
